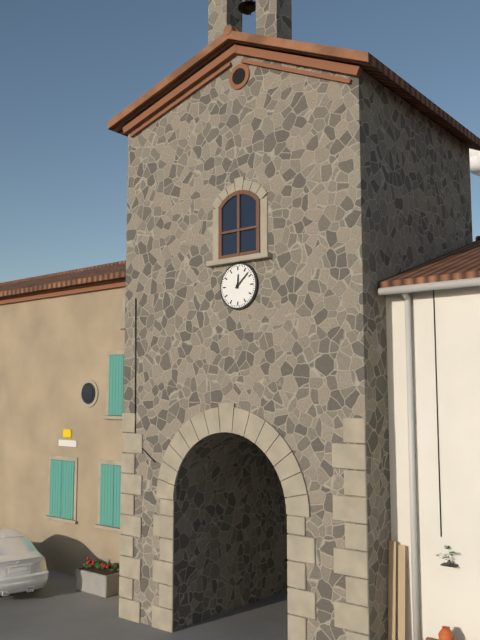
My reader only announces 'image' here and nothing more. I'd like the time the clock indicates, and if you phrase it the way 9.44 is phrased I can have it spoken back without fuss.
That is 12.08
